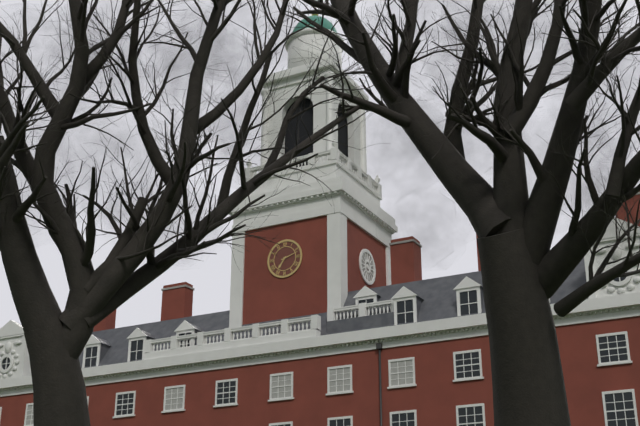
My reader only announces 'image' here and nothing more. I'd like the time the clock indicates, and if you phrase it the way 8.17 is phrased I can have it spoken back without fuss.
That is 7.12
